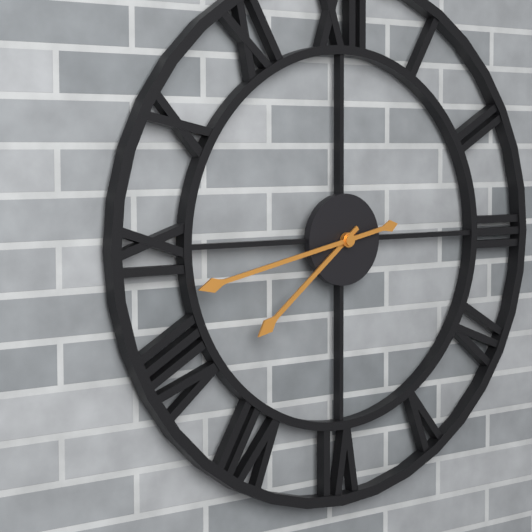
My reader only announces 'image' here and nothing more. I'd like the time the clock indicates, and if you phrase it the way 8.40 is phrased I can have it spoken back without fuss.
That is 7.43
